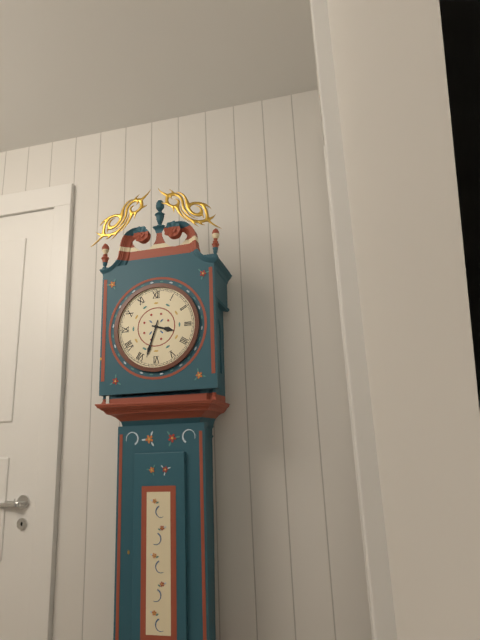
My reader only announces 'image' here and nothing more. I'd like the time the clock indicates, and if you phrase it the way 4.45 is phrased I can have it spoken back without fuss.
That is 3.33
